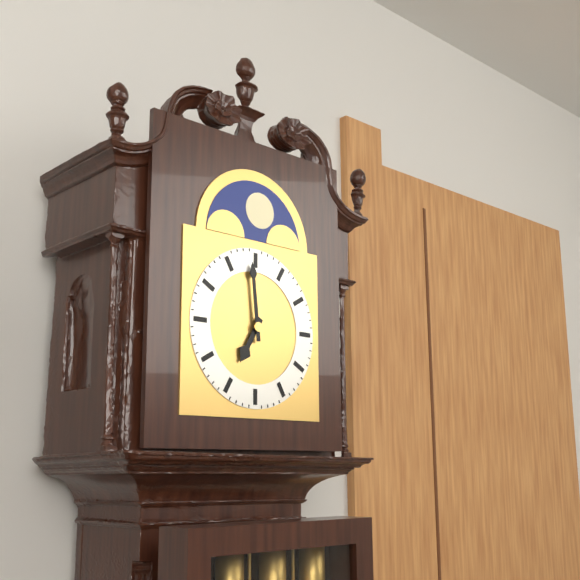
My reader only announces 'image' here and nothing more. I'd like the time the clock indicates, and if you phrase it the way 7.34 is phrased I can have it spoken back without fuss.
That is 6.59
